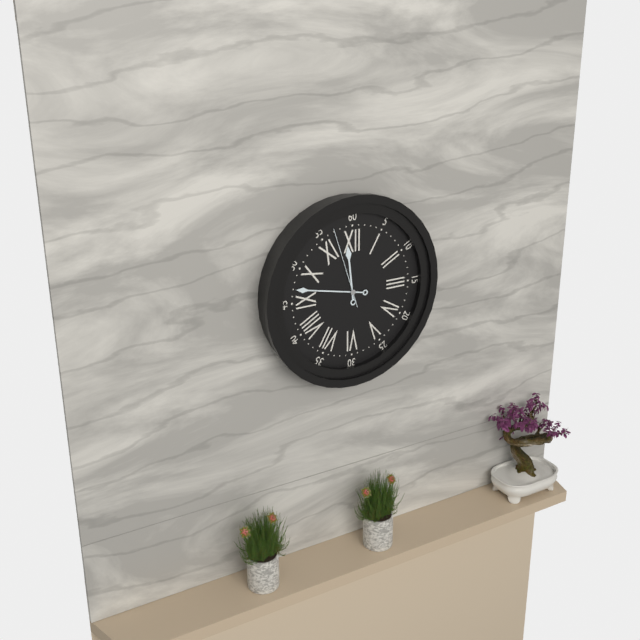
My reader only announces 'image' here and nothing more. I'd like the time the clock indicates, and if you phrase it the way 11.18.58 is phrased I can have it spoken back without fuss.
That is 11.47.57
